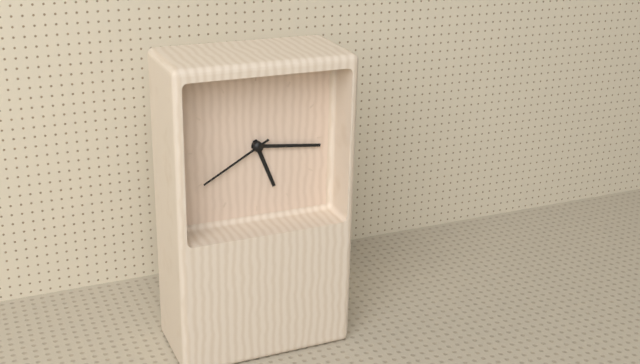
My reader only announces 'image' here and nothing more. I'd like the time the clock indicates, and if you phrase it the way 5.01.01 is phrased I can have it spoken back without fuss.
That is 5.16.40
